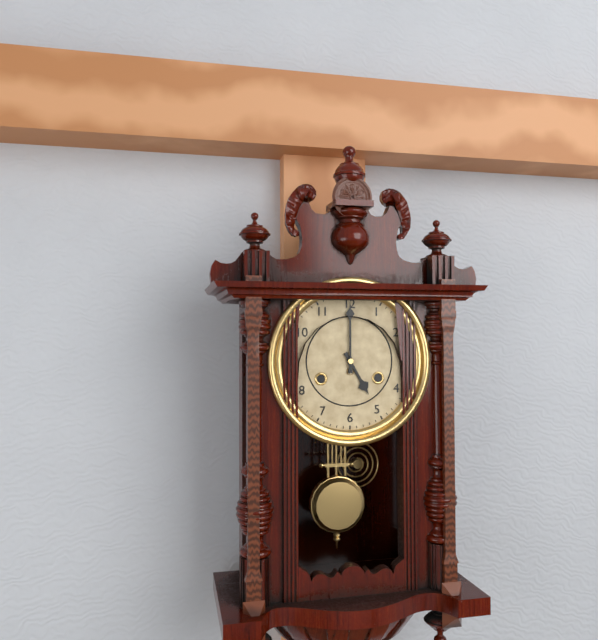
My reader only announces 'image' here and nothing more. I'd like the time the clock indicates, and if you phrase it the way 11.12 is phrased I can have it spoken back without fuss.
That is 5.00
